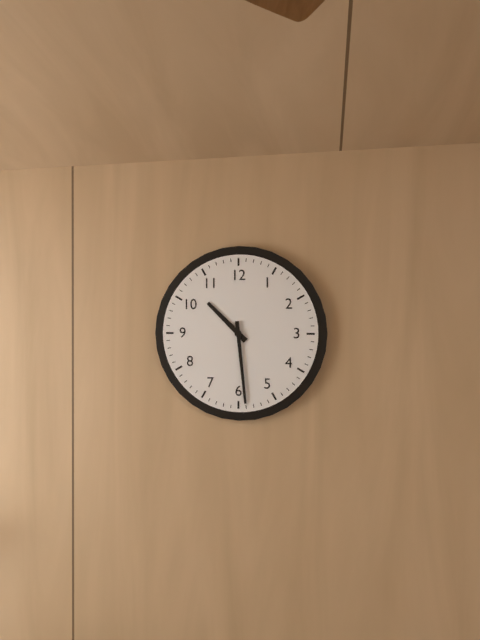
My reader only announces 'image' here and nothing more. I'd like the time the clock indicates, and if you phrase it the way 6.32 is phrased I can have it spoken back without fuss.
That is 10.29
